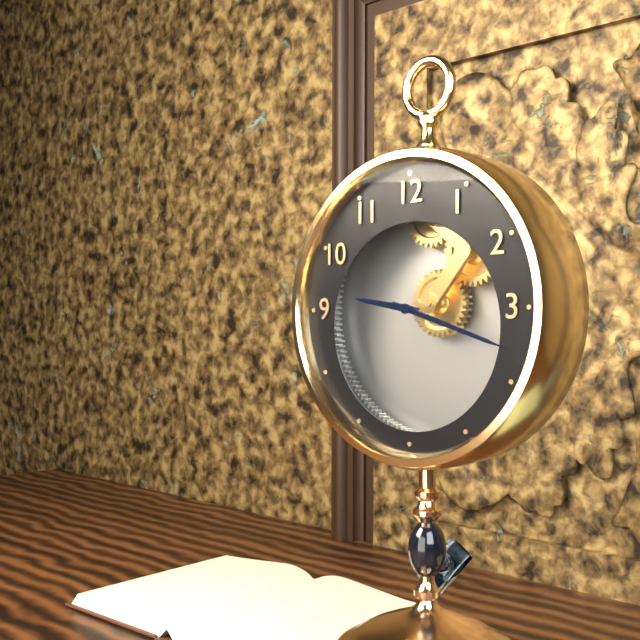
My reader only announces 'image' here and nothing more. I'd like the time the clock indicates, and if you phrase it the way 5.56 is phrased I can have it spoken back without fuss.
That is 9.18
